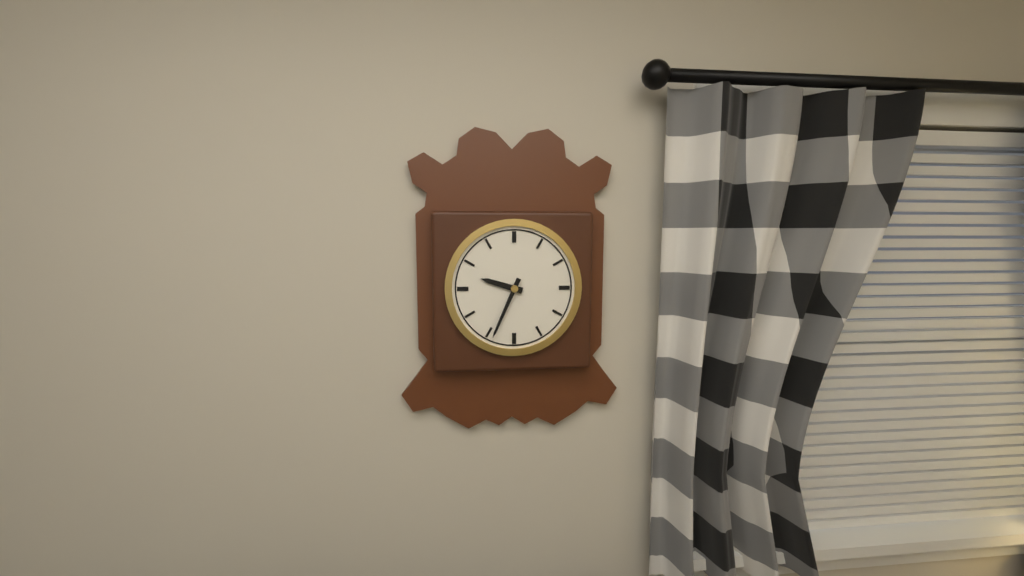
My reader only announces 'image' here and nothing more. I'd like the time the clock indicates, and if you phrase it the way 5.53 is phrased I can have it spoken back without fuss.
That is 9.34
